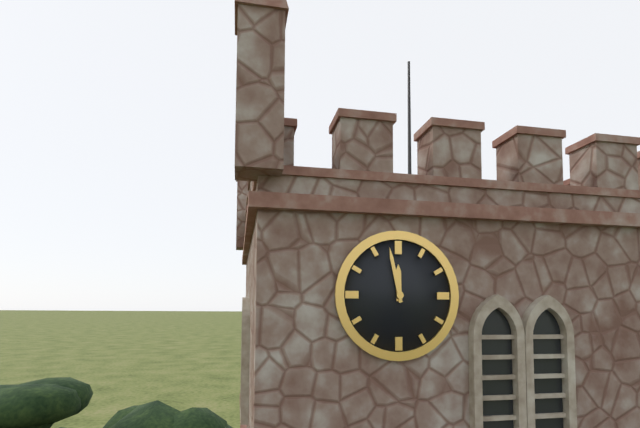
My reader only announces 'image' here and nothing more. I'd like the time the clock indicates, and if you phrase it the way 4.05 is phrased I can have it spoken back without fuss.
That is 11.58
